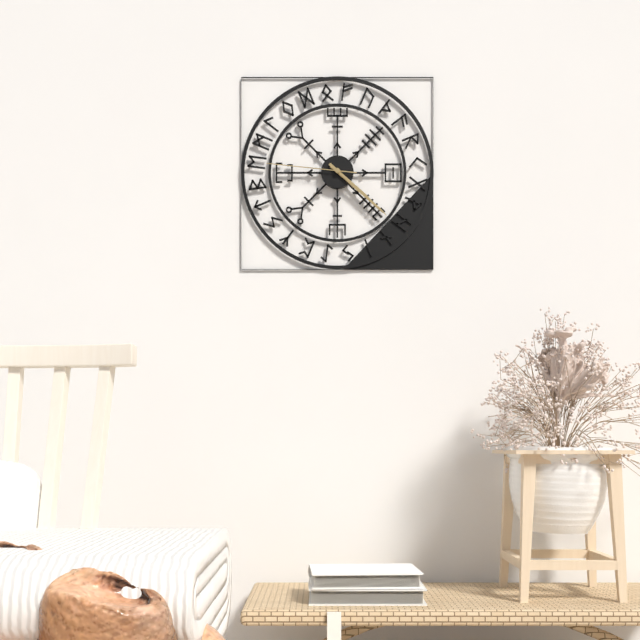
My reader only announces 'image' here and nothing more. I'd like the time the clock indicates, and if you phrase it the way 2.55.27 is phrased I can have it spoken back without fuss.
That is 4.22.46
